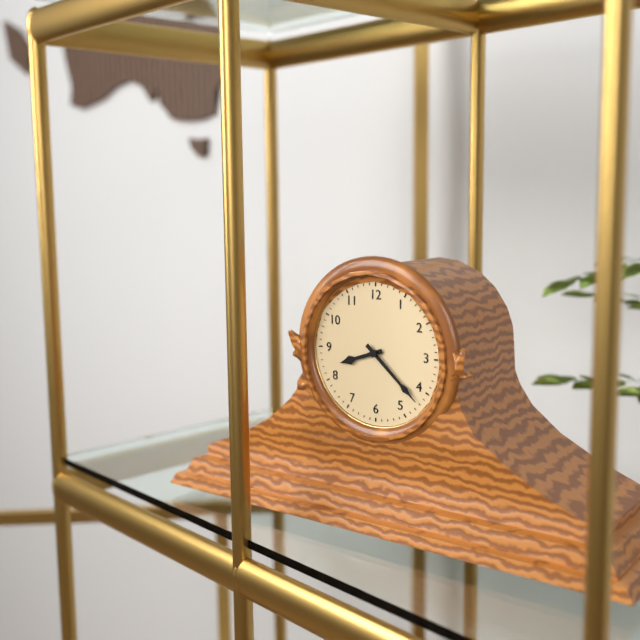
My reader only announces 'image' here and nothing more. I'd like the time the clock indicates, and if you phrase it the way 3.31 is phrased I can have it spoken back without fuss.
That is 8.22
